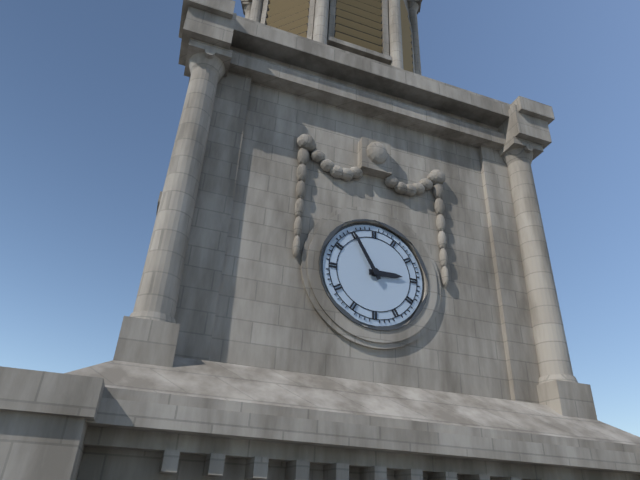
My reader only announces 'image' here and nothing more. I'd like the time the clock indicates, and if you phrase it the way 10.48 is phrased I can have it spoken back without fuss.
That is 2.55
